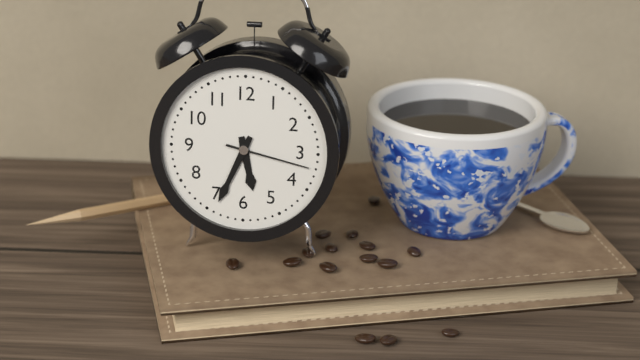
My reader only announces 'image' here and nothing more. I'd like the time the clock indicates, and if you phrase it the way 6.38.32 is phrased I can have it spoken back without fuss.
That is 5.34.17
